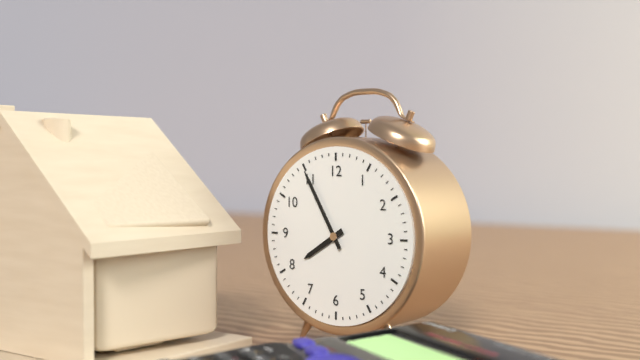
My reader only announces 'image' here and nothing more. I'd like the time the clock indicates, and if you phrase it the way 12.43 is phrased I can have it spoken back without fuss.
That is 7.55
